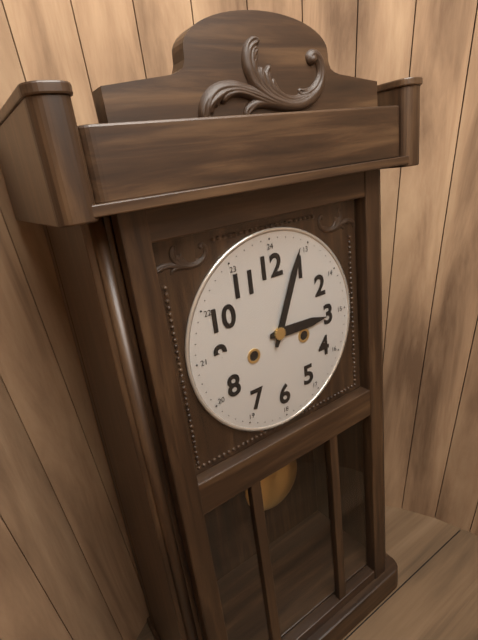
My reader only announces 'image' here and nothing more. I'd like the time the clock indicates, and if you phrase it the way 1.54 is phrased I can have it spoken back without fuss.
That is 3.04
